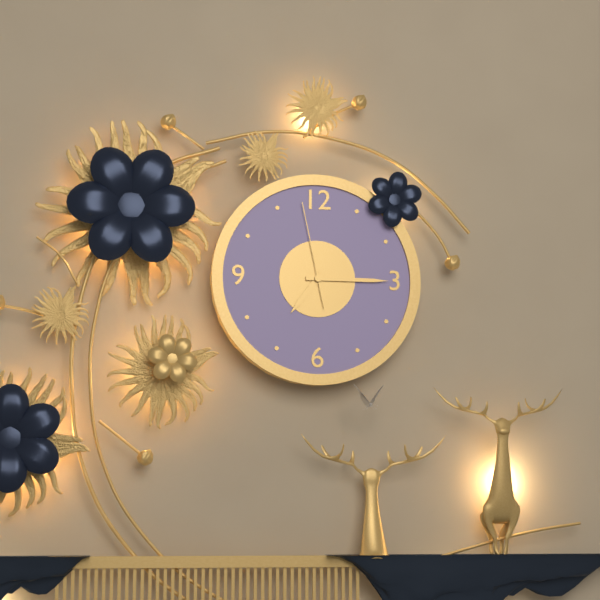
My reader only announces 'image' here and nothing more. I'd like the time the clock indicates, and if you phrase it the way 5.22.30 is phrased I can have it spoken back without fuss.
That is 7.15.58
